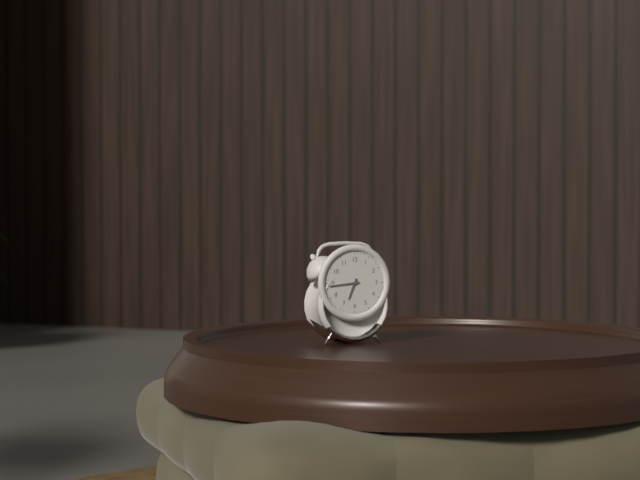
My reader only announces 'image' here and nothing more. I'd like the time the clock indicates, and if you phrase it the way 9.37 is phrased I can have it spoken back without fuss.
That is 6.44
